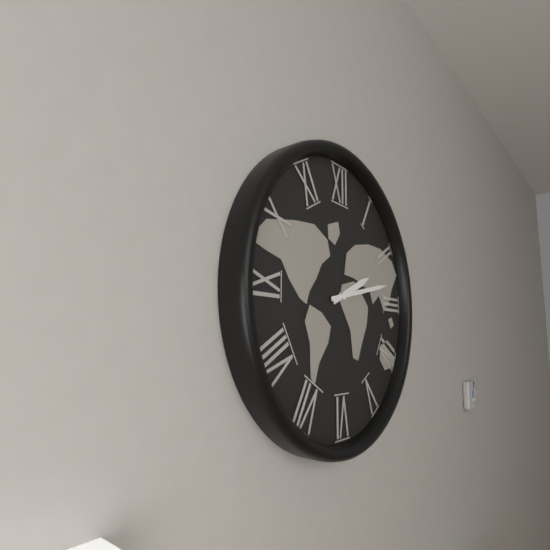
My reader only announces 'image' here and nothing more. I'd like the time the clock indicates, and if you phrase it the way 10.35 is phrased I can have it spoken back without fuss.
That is 2.13
